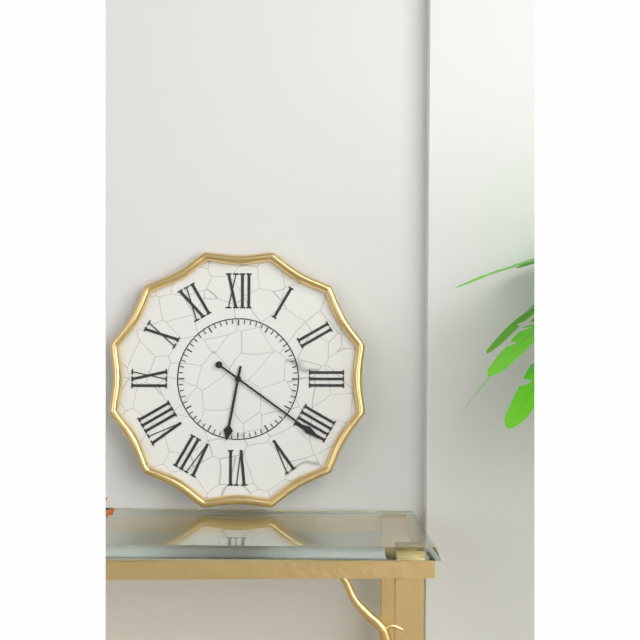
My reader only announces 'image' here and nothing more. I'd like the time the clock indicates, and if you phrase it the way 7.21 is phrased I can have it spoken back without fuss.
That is 6.21
